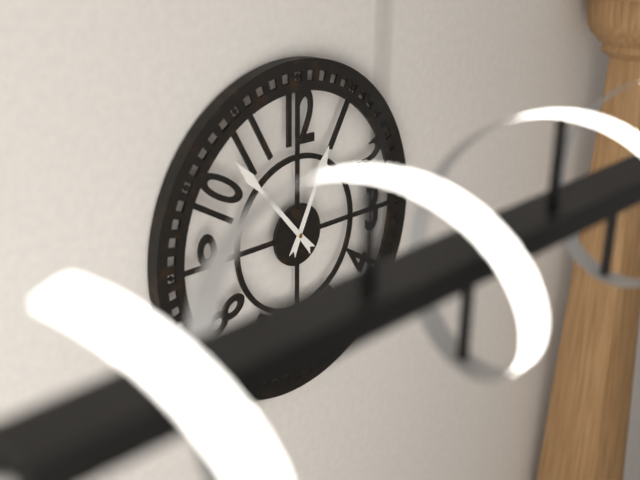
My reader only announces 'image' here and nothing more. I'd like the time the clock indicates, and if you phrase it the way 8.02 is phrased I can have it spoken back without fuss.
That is 12.53
